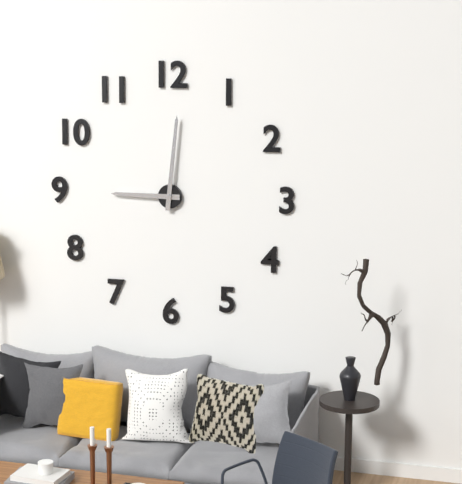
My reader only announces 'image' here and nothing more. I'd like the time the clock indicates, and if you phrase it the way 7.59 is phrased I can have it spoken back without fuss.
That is 9.01
